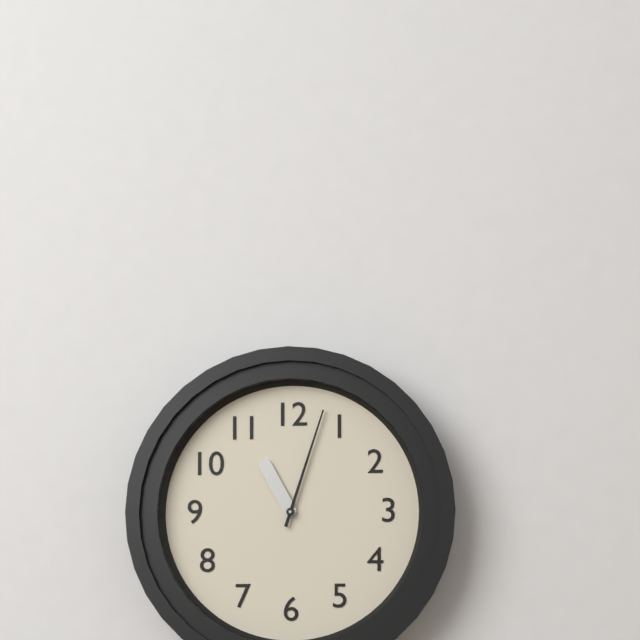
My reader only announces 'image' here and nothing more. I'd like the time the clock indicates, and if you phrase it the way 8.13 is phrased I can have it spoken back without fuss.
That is 11.03
